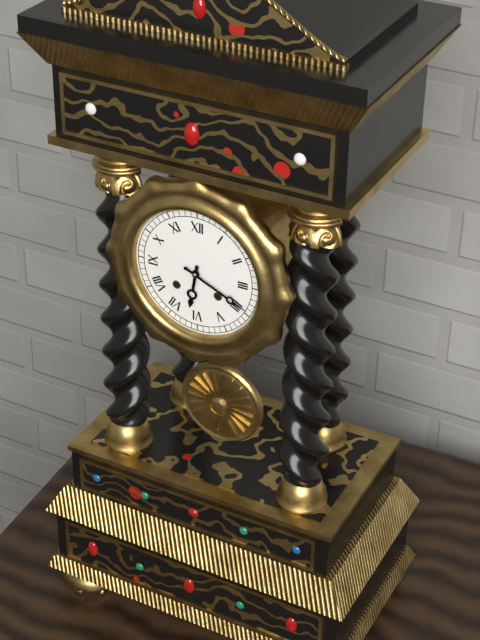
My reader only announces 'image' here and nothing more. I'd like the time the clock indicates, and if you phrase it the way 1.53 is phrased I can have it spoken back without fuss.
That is 6.19
